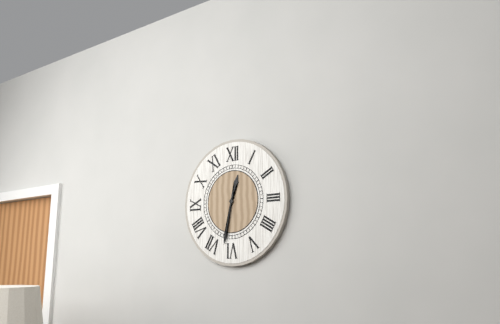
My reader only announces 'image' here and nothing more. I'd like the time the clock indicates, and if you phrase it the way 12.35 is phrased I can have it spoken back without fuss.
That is 12.32
